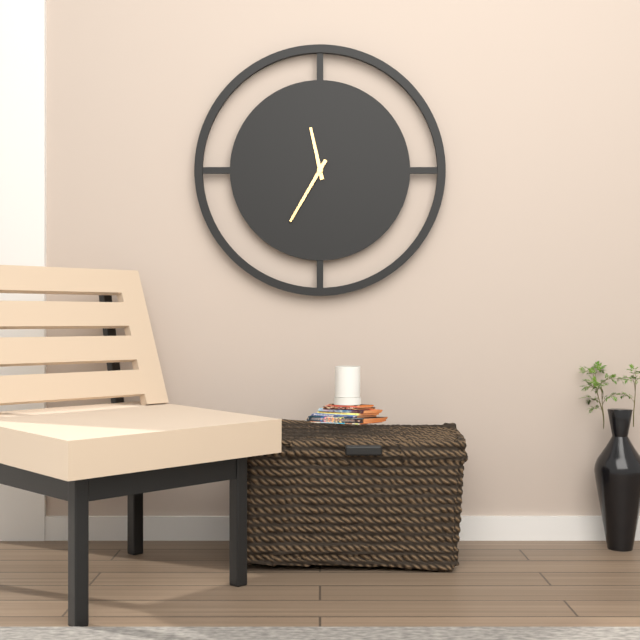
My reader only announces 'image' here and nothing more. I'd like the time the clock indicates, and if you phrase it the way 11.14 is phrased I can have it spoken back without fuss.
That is 11.35
